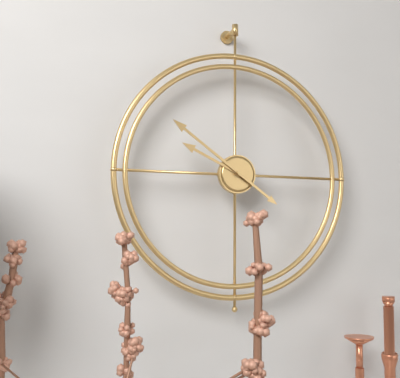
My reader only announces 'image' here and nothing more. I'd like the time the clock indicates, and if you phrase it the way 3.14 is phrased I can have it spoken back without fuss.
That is 9.51
